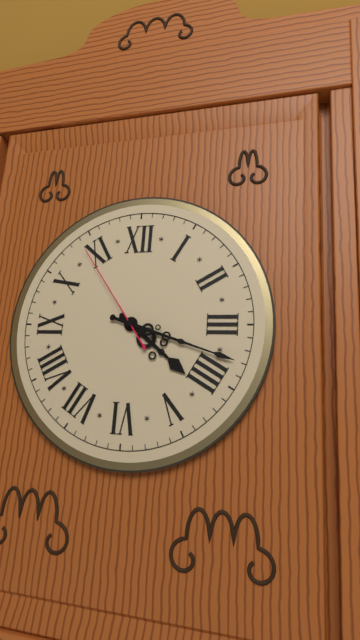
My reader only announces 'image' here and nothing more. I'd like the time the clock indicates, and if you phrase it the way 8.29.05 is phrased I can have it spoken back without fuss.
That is 4.18.54
